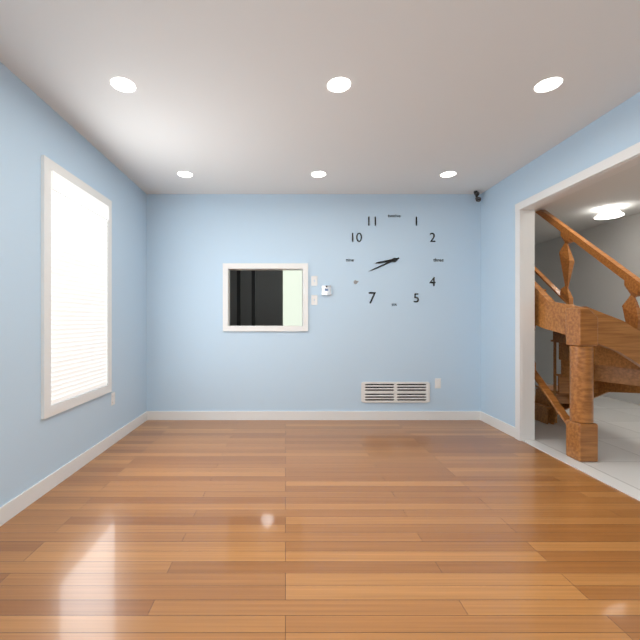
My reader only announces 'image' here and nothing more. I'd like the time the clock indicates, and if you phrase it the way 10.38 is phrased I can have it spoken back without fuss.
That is 8.41
